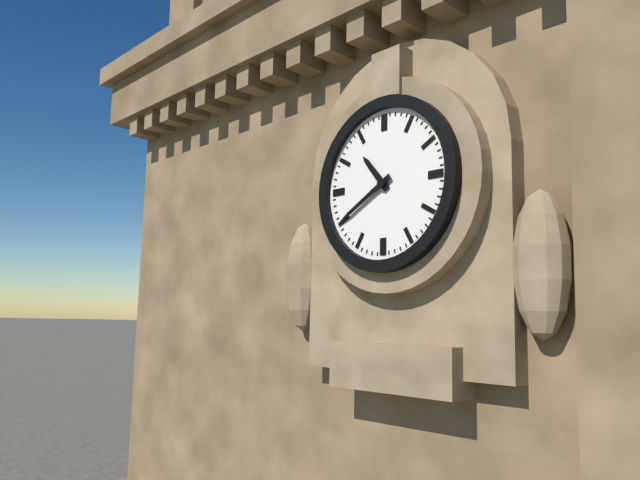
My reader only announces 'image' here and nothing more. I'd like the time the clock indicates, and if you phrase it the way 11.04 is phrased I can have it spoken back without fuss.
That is 10.40
